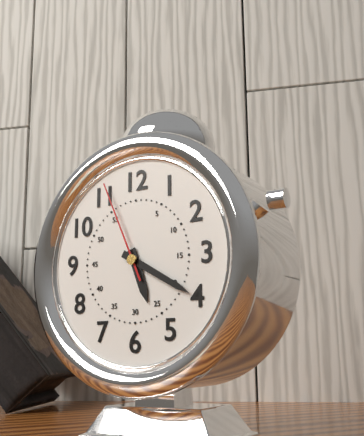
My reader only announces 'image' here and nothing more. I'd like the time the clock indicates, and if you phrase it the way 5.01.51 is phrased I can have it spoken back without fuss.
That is 5.20.56
